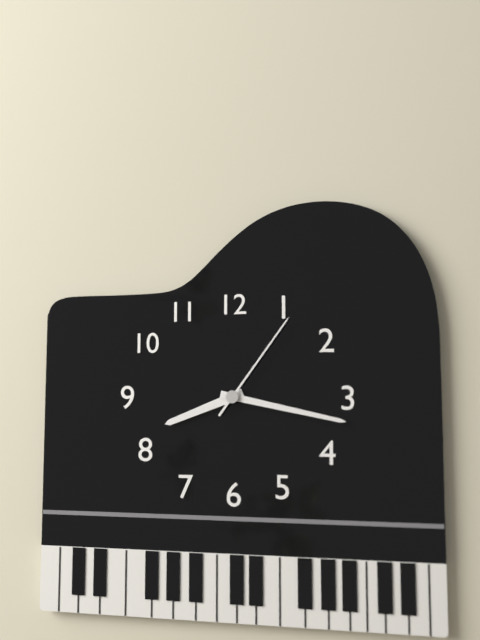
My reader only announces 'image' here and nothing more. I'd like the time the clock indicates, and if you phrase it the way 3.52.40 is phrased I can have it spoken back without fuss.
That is 8.17.06
